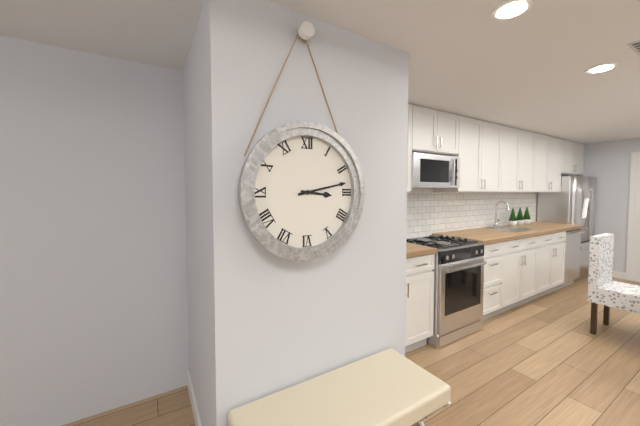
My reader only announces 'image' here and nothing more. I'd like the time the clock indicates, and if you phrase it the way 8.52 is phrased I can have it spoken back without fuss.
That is 3.13
